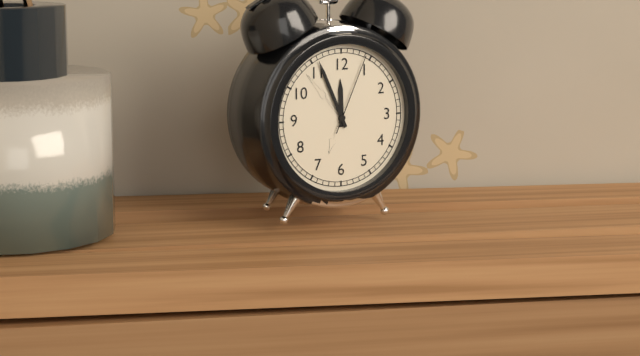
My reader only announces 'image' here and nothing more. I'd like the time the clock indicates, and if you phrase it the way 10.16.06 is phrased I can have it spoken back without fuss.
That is 11.56.04
